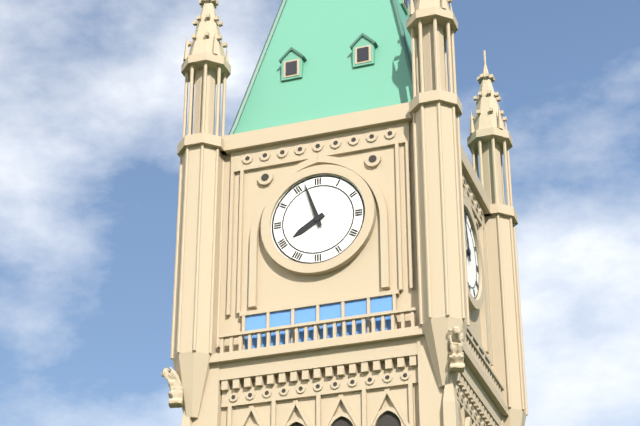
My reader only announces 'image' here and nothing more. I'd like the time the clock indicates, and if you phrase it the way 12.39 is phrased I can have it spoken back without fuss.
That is 7.57
